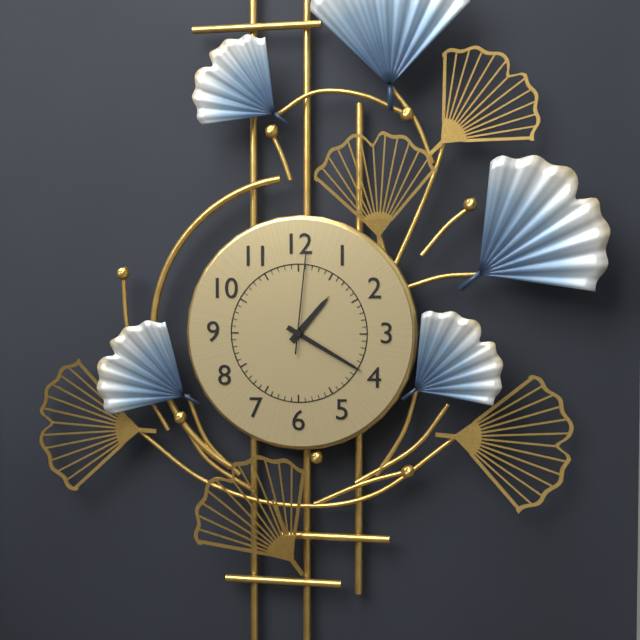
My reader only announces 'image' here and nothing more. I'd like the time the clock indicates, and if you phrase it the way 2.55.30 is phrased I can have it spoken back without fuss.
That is 1.20.01
